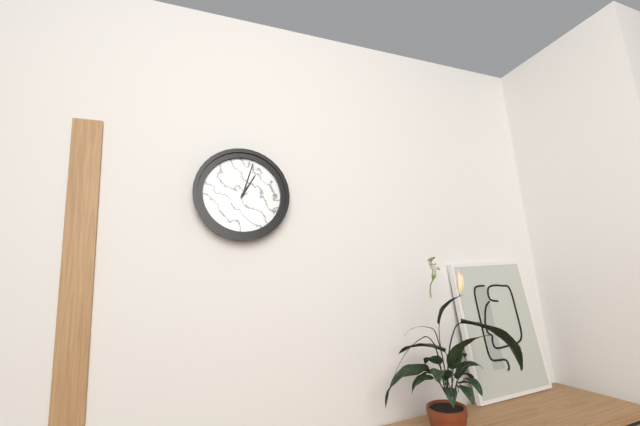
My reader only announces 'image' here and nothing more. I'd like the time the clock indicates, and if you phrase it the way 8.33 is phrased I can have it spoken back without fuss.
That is 1.03
